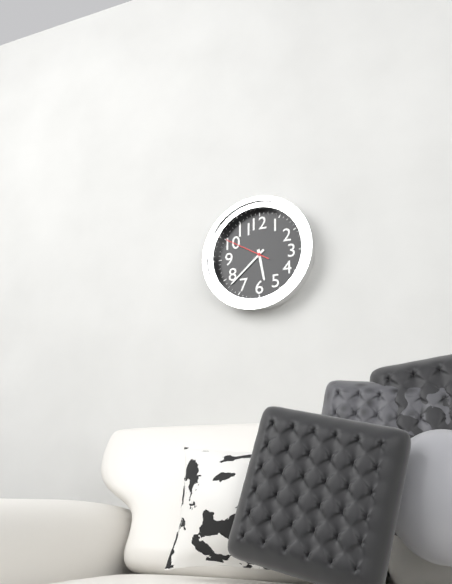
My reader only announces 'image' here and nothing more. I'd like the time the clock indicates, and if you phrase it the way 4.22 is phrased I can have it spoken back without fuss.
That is 5.38
